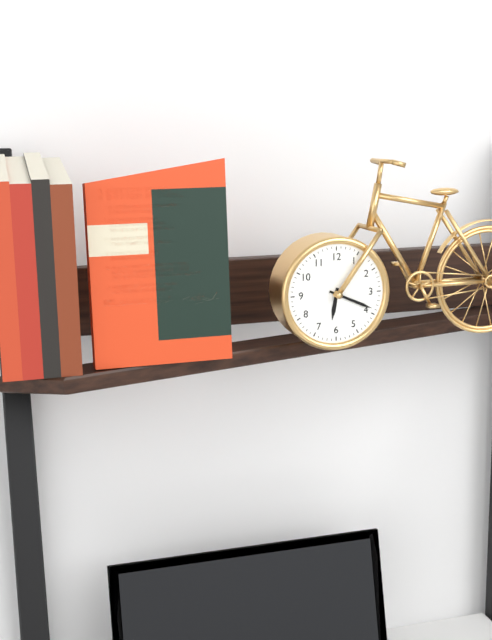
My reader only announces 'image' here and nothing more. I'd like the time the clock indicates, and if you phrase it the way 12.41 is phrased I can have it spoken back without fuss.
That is 6.19
